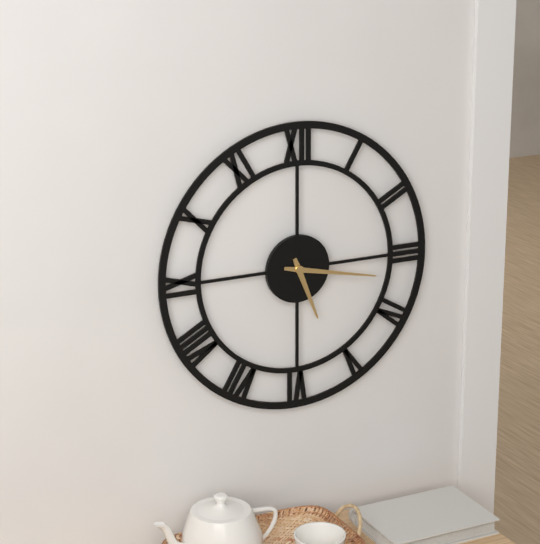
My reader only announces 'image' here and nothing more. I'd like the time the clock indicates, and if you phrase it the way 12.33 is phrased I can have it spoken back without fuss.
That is 5.17
